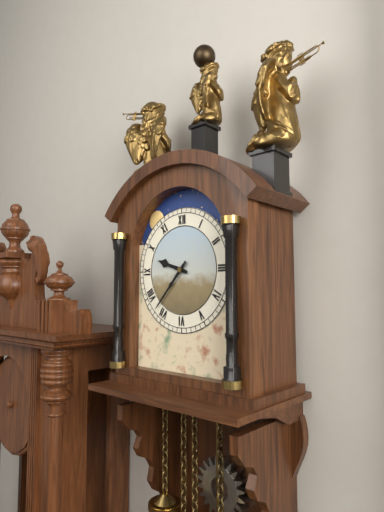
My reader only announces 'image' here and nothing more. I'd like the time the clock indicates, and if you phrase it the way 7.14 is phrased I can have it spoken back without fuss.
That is 9.37
